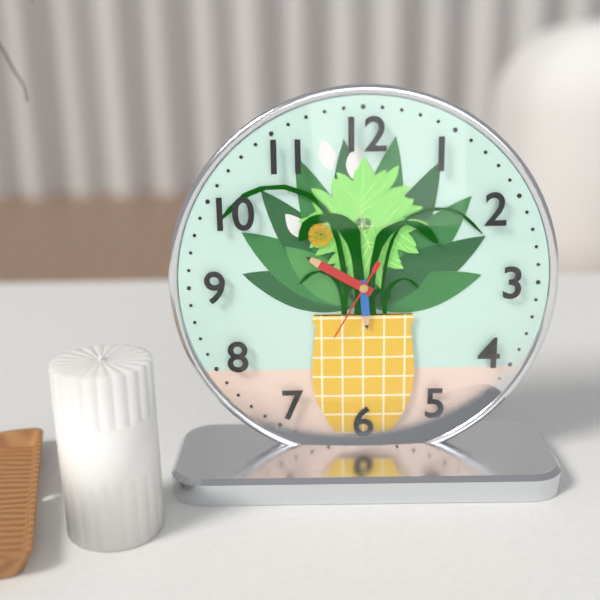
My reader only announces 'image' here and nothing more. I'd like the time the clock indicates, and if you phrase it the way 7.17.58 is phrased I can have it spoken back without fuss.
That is 5.50.35
